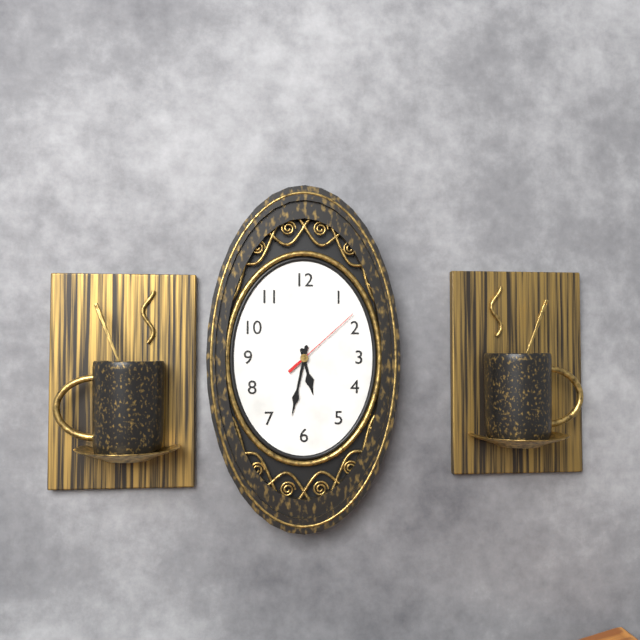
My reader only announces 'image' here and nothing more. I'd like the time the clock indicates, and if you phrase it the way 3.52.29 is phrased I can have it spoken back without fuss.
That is 5.32.08
